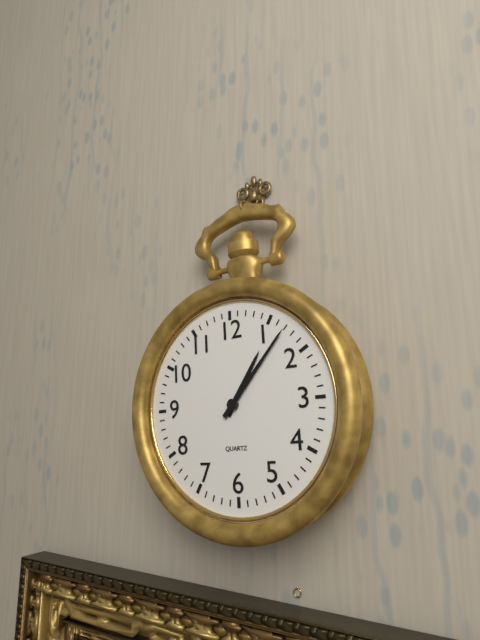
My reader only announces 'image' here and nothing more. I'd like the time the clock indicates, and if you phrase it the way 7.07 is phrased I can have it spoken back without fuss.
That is 1.07
